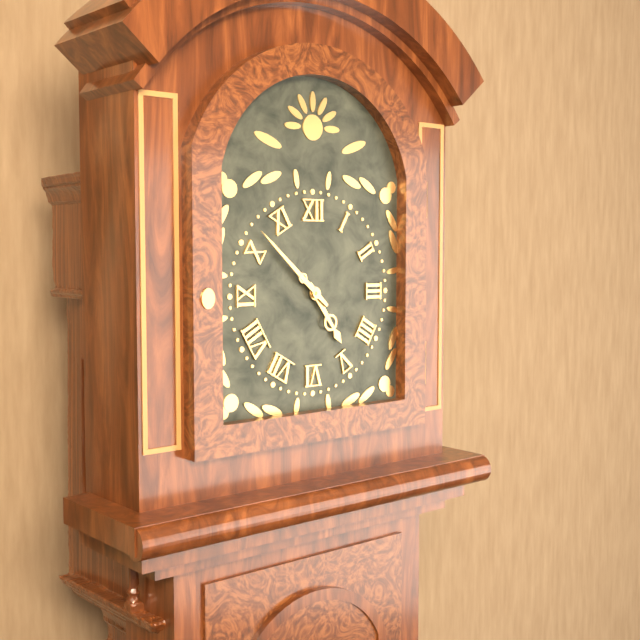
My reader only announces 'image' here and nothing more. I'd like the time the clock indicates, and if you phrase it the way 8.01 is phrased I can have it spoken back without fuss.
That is 4.52
